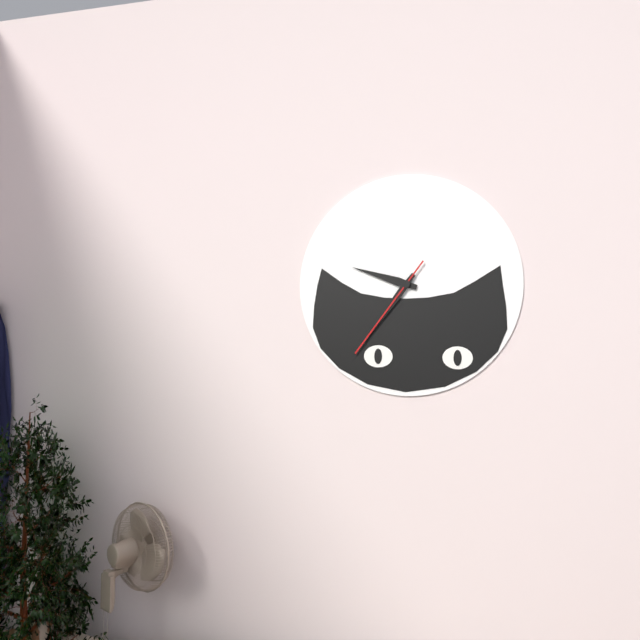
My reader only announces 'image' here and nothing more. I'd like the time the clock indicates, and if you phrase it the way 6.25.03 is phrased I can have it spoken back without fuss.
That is 9.36.36
